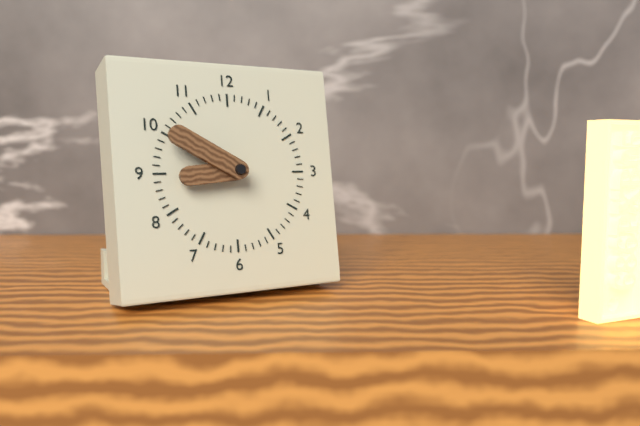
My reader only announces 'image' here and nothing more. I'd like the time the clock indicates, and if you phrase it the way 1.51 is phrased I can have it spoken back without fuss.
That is 8.50
